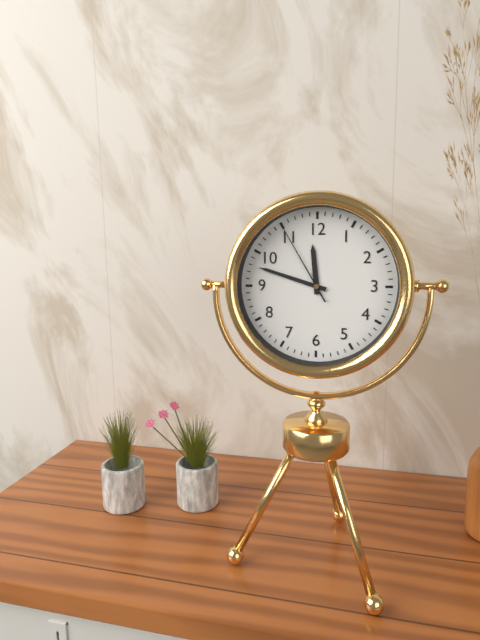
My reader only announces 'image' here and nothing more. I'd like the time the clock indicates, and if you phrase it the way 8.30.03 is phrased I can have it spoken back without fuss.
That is 11.48.55
